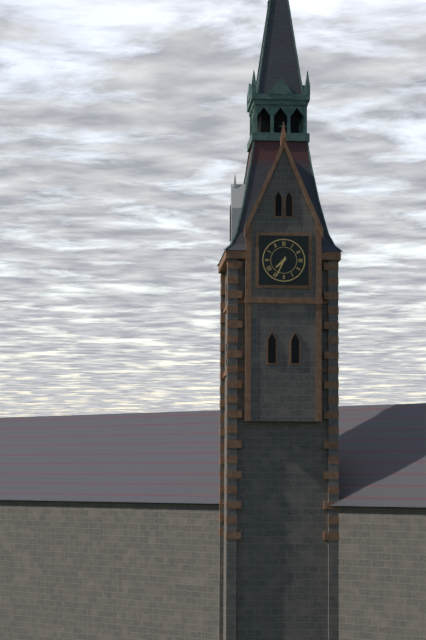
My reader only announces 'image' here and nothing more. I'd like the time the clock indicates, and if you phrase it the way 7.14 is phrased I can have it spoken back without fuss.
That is 7.34
